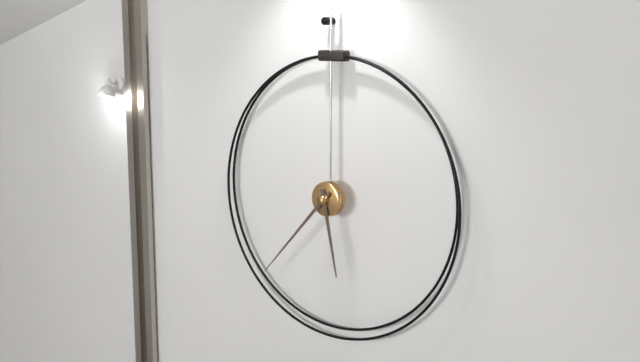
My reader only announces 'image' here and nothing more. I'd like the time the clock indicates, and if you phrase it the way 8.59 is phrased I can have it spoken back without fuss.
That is 5.37
